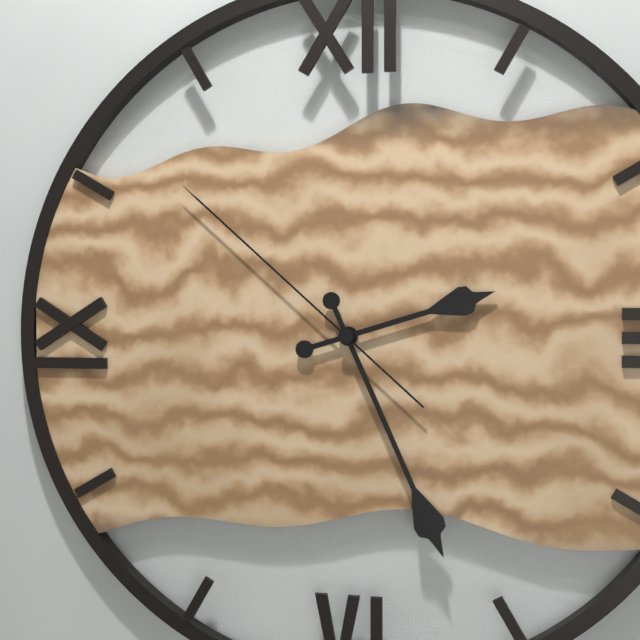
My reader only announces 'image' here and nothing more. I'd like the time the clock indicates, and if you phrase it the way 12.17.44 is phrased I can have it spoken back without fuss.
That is 2.26.52
